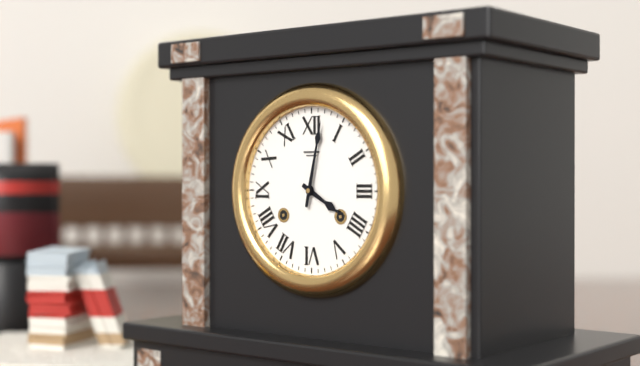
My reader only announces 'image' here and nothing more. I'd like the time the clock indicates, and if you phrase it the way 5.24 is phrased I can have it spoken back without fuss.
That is 4.02
